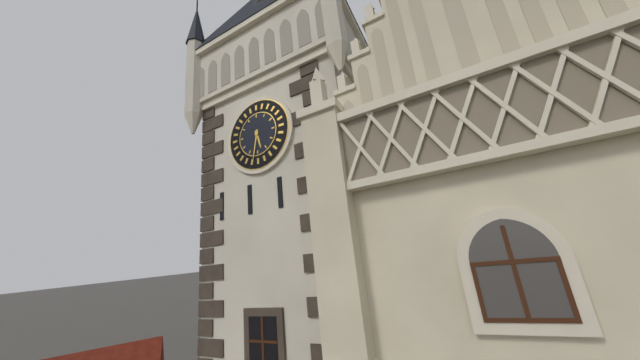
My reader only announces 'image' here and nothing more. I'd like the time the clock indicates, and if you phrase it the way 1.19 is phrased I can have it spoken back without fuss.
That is 5.32
